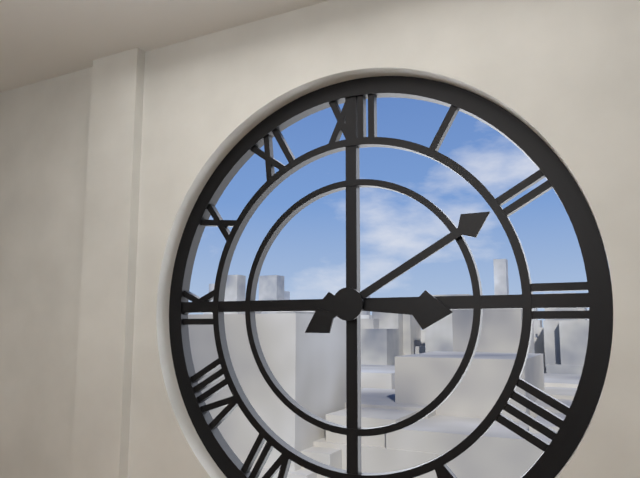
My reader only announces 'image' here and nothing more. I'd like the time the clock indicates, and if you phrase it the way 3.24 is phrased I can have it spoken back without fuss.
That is 3.10
